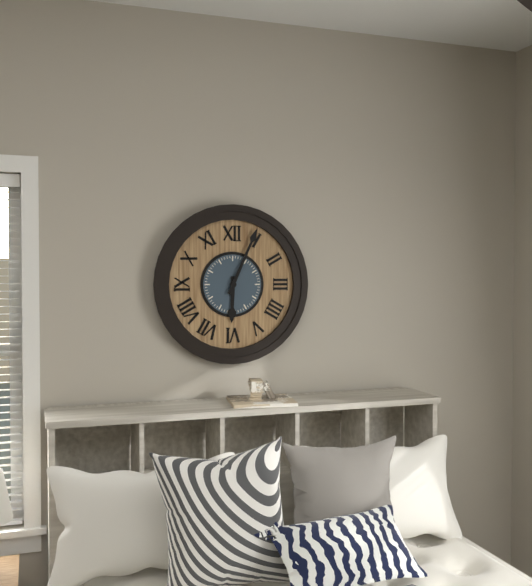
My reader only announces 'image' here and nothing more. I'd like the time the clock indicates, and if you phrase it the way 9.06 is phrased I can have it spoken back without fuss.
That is 6.04
